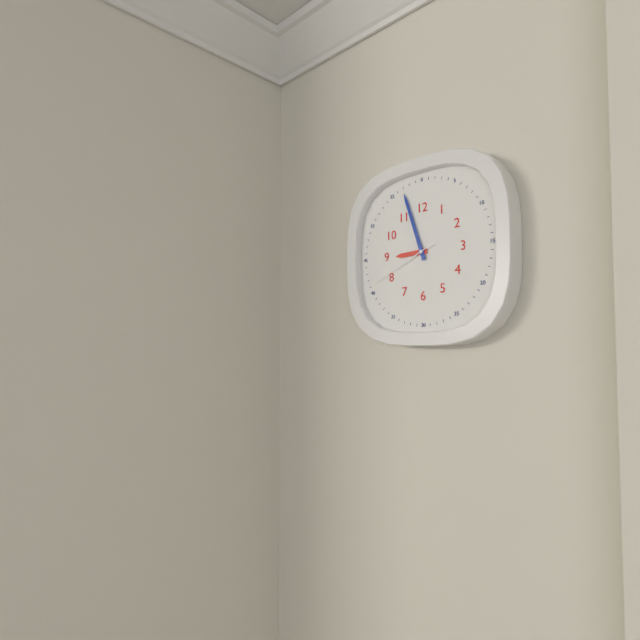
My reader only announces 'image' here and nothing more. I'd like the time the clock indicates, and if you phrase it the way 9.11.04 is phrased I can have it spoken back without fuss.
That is 8.57.41
